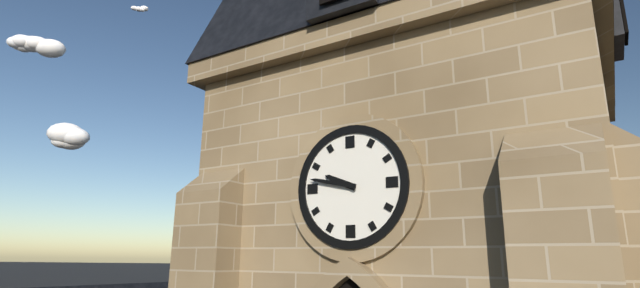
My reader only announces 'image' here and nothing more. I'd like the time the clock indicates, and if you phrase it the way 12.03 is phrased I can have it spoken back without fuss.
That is 9.47
